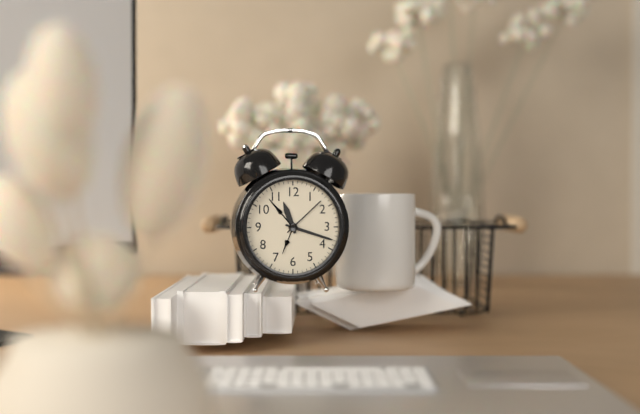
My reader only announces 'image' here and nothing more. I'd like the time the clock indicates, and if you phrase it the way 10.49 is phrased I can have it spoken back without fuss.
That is 11.18
